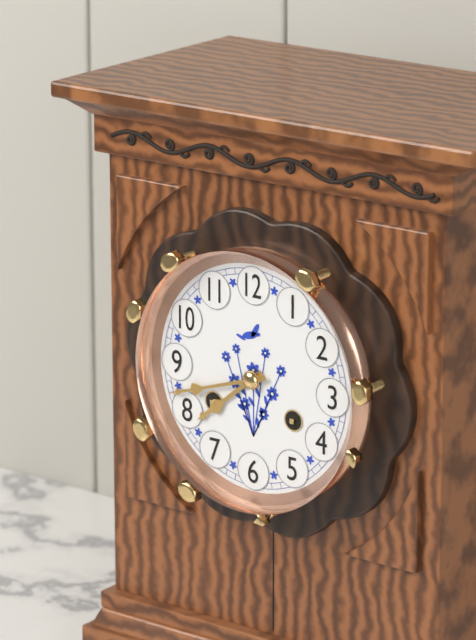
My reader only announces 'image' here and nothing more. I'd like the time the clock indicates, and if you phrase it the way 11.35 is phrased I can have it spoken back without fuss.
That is 7.42
